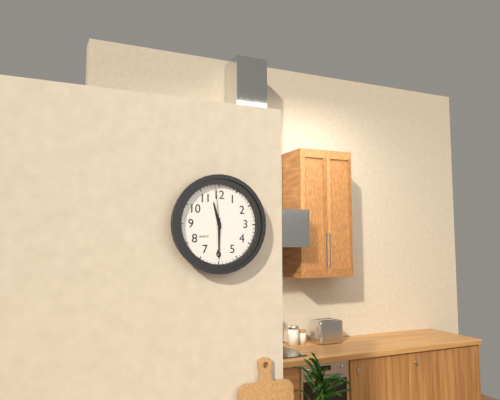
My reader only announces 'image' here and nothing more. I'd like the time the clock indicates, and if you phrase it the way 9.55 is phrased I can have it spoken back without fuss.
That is 11.30
